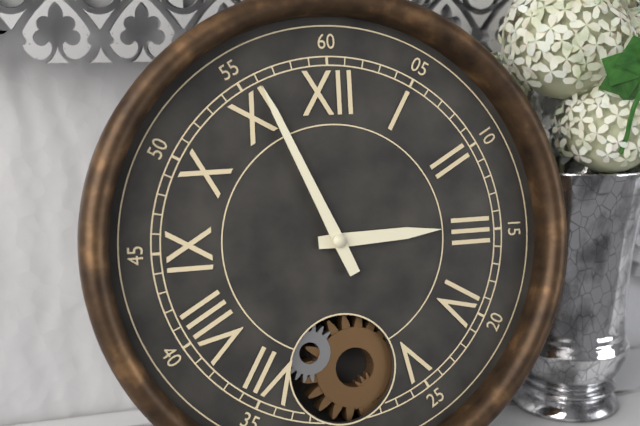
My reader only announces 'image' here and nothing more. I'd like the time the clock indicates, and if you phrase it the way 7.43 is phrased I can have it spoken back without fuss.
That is 2.56
